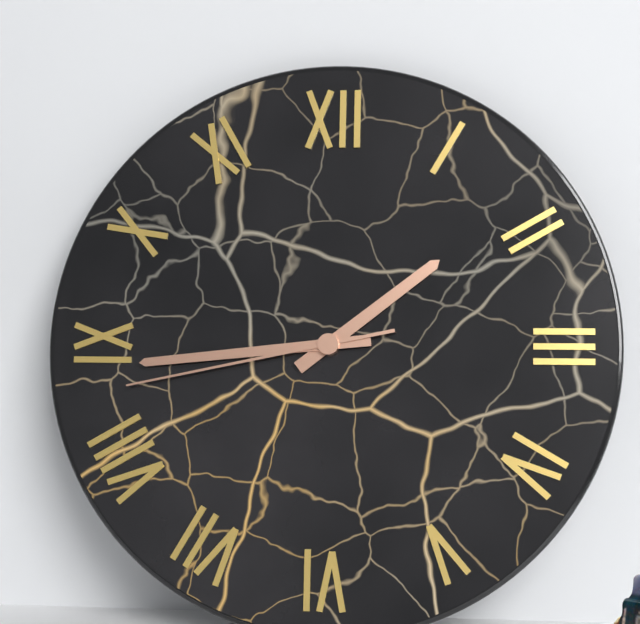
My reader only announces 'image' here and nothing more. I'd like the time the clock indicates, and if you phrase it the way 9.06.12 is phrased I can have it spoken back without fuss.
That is 1.44.43
